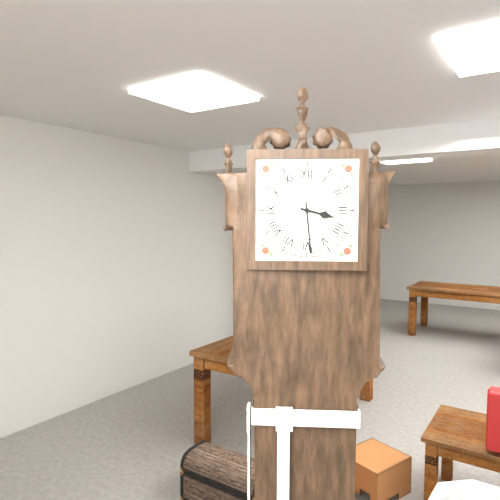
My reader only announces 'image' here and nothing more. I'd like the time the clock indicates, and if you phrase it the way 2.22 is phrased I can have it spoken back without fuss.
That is 3.29
